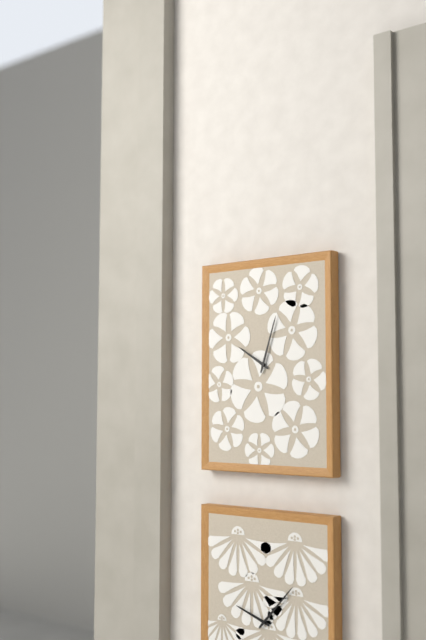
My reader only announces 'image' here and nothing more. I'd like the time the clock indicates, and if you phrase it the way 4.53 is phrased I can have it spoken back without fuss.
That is 10.03
